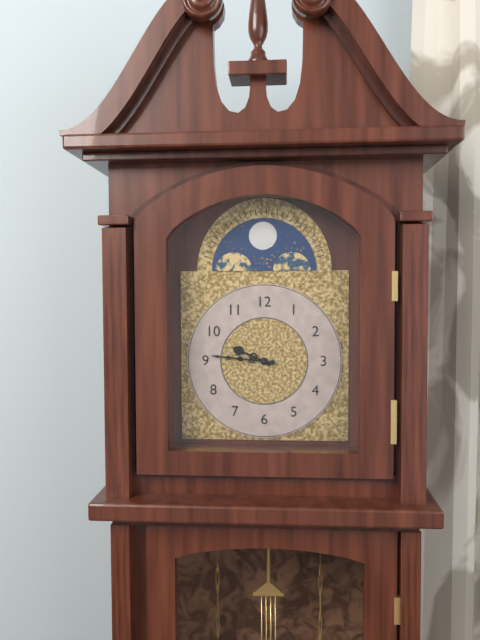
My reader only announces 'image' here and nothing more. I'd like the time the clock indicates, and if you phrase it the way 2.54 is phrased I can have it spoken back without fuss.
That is 9.46
